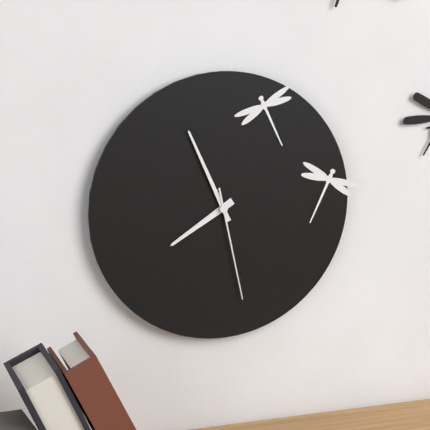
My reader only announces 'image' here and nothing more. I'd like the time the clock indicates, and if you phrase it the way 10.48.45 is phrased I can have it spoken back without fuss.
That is 7.56.28
